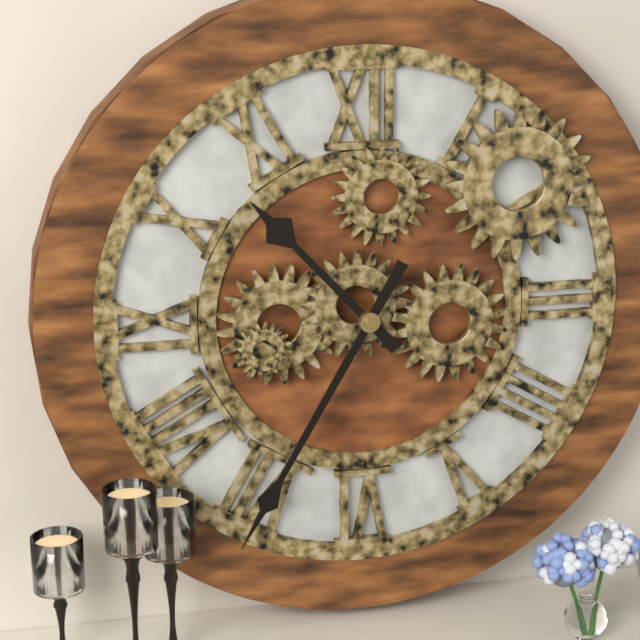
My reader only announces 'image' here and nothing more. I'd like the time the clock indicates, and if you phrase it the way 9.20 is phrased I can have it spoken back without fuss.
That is 10.35
